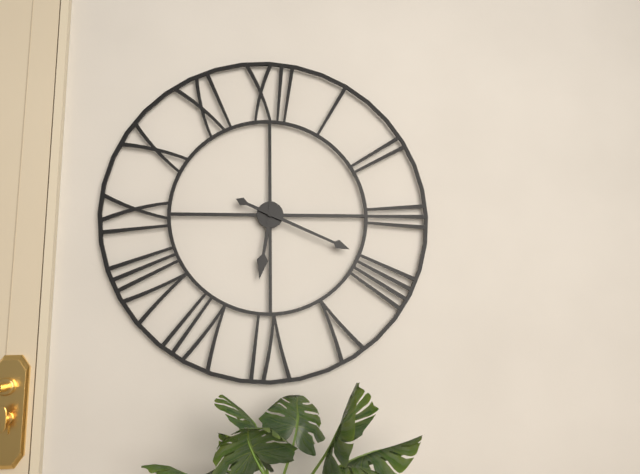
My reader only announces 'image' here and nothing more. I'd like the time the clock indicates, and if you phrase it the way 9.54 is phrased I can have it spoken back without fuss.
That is 6.19
